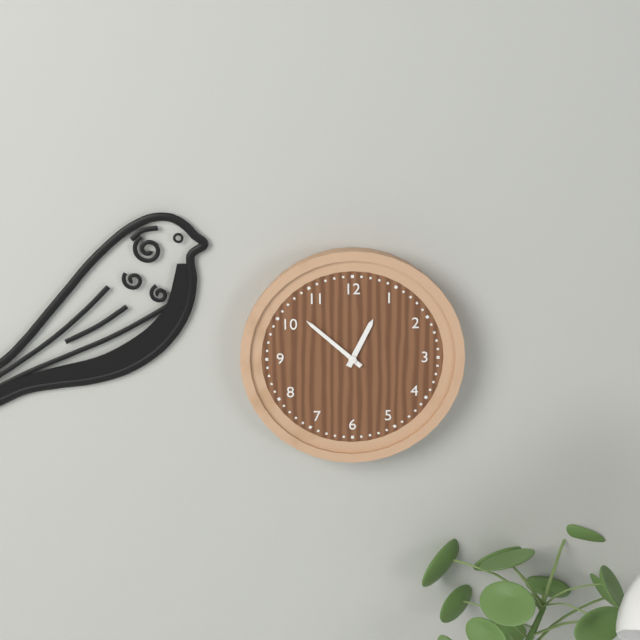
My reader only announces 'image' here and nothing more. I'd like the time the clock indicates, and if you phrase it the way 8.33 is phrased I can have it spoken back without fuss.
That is 12.52
